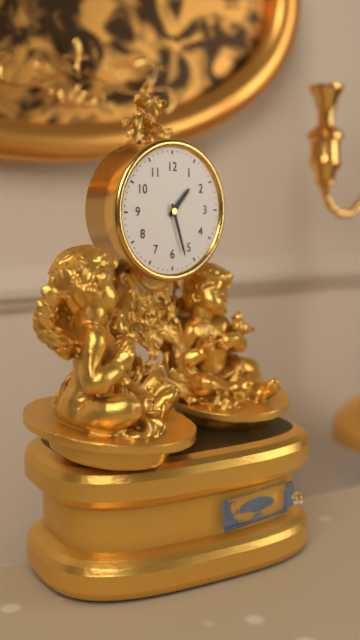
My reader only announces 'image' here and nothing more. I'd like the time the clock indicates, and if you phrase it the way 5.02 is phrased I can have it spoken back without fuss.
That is 1.27
